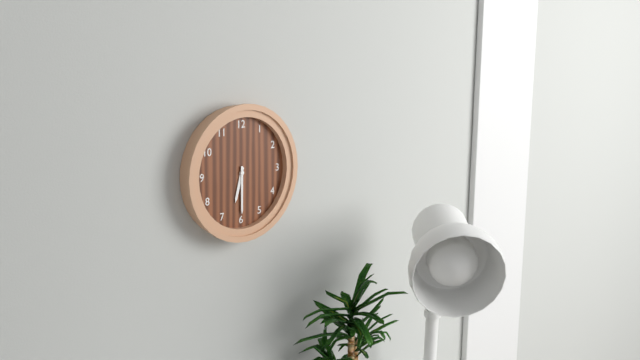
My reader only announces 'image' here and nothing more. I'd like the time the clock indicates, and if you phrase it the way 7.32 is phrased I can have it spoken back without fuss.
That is 6.30
